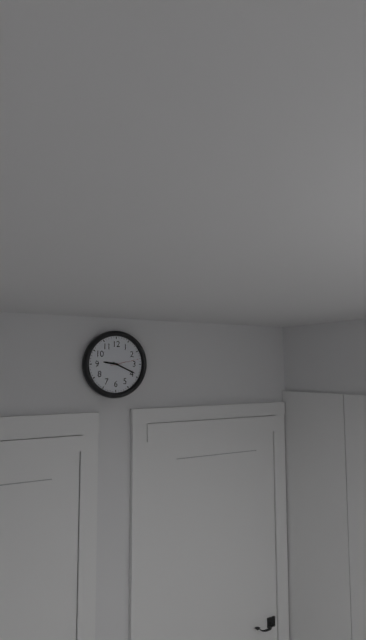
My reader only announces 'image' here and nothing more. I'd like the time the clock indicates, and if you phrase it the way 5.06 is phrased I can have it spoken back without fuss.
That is 9.19
